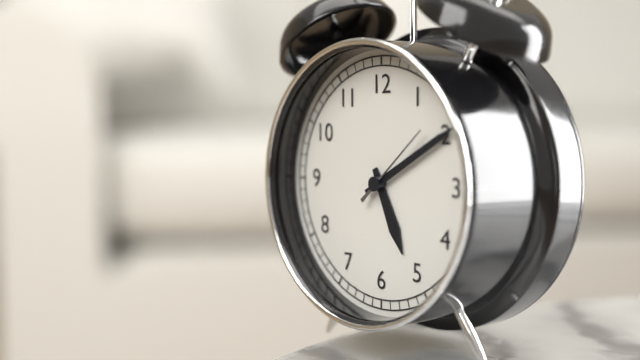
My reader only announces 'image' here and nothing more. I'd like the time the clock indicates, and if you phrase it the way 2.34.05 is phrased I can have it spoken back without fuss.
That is 5.10.08
